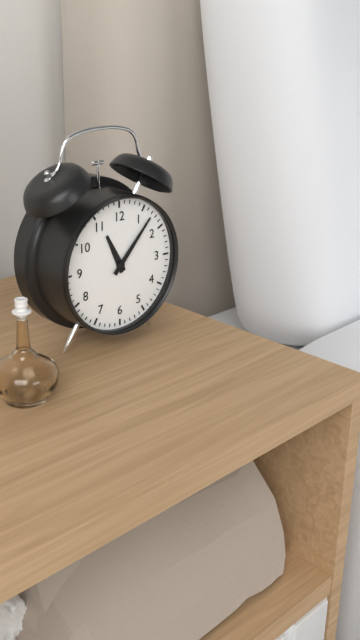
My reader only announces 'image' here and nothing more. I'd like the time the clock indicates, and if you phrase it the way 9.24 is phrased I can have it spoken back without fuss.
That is 11.07
